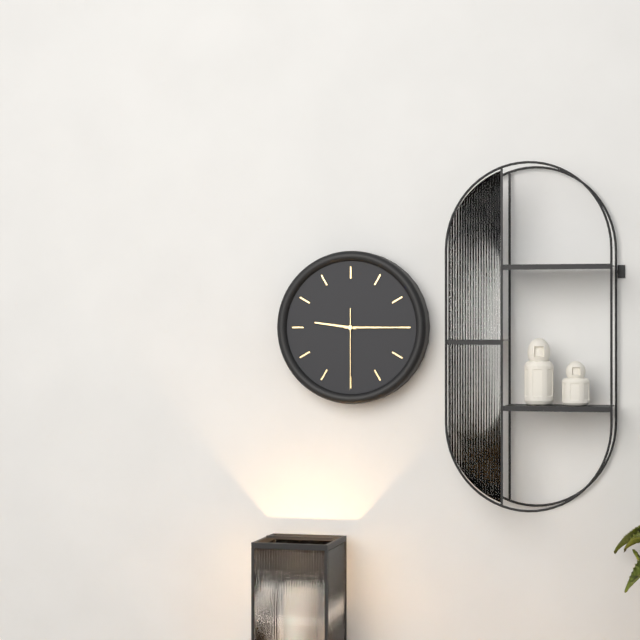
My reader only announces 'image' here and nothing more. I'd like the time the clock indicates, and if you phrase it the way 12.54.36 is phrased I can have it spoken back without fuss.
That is 9.15.30
